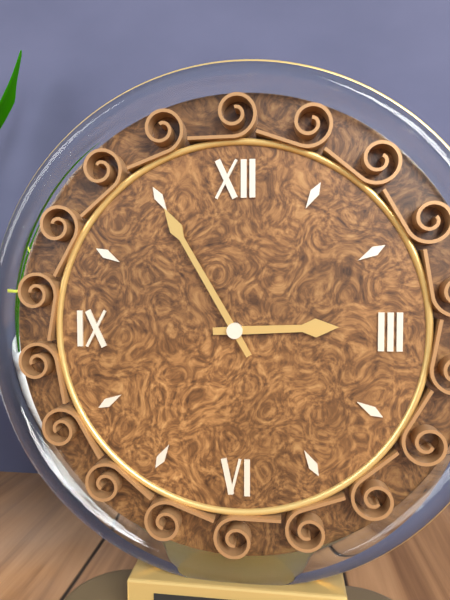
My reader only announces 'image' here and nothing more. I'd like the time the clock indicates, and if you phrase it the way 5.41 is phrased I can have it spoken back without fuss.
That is 2.55
